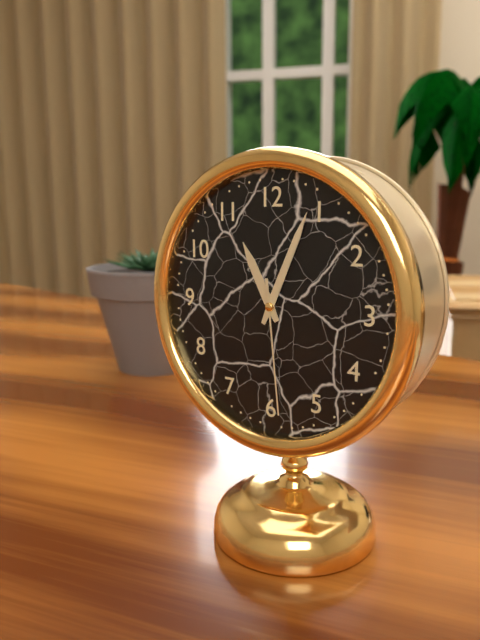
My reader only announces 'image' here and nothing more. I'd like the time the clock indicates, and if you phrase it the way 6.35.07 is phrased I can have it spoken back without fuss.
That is 11.04.29
